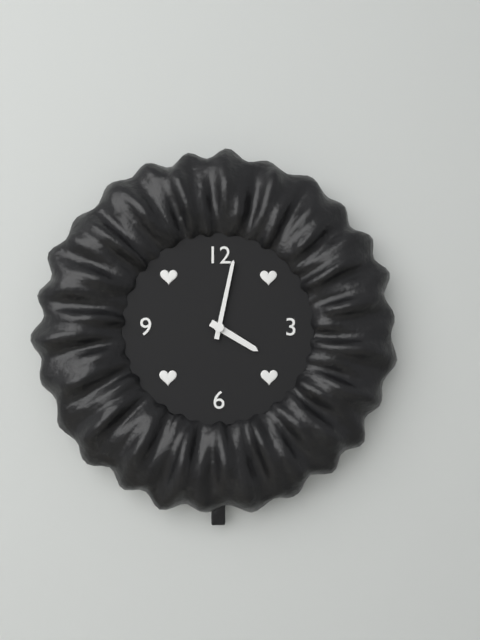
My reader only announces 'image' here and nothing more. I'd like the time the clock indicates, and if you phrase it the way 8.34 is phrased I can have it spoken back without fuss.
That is 4.02
